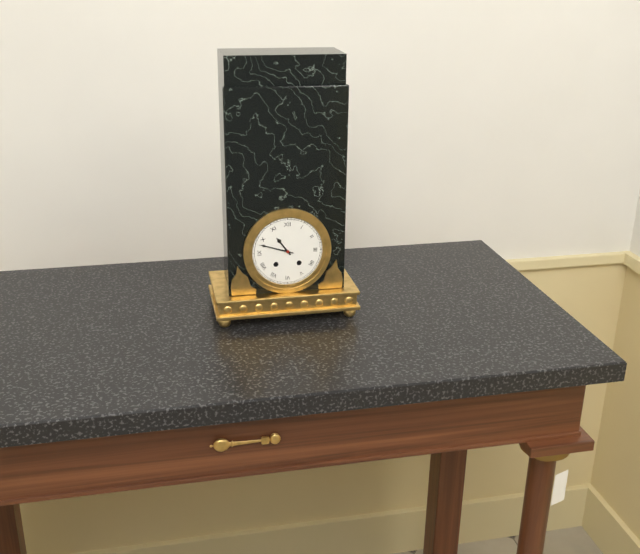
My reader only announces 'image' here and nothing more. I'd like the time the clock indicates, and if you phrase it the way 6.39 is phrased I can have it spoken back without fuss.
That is 10.48
